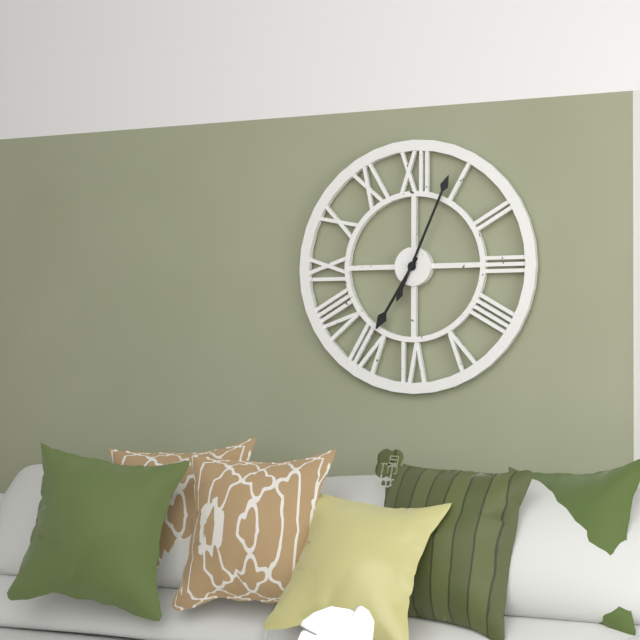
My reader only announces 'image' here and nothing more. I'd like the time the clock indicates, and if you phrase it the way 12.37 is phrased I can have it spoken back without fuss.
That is 7.04
